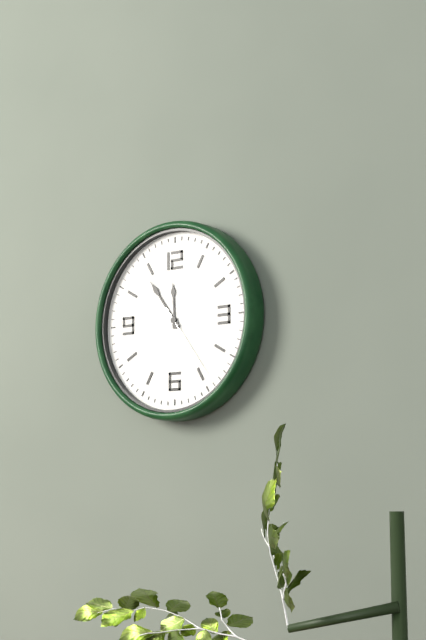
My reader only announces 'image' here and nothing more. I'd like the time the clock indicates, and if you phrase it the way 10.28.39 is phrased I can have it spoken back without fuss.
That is 11.54.24
